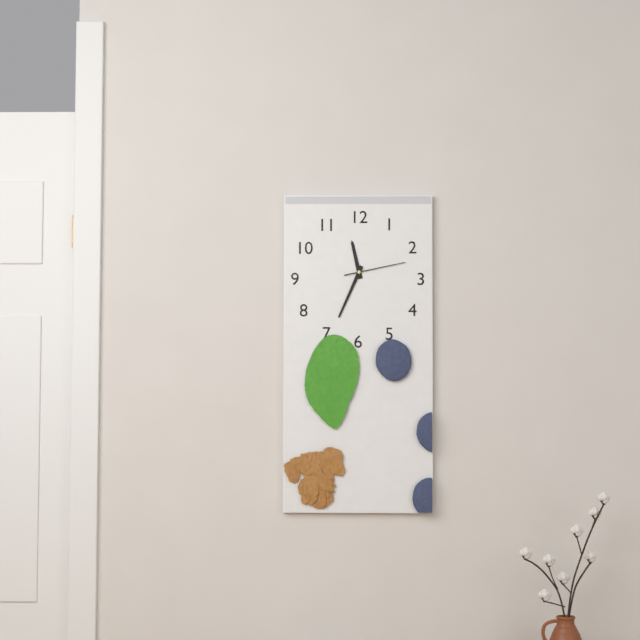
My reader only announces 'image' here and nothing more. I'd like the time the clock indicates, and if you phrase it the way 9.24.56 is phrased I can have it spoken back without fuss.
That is 11.34.13
